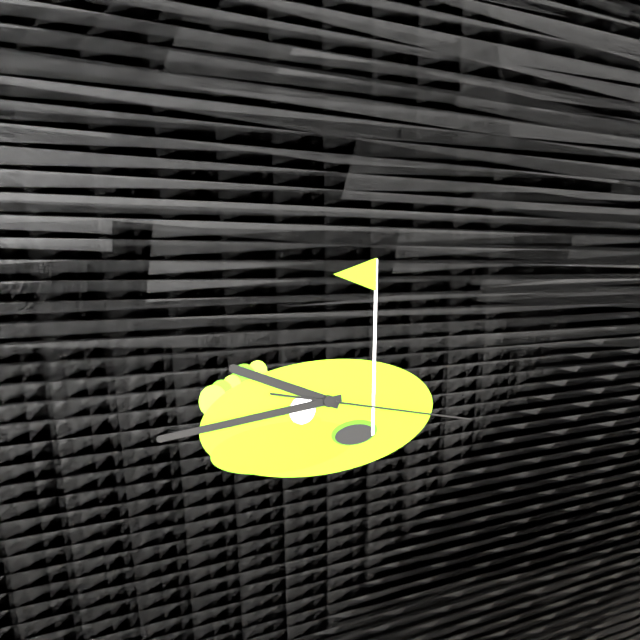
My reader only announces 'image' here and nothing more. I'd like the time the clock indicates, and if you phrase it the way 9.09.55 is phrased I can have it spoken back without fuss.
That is 9.44.17
